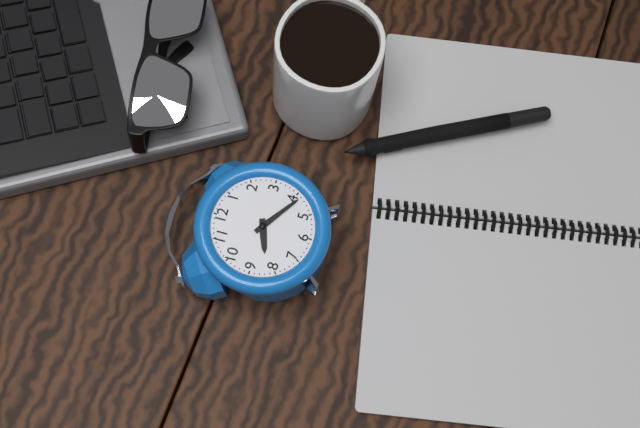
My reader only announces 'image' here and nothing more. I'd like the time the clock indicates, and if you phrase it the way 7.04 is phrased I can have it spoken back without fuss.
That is 8.21
